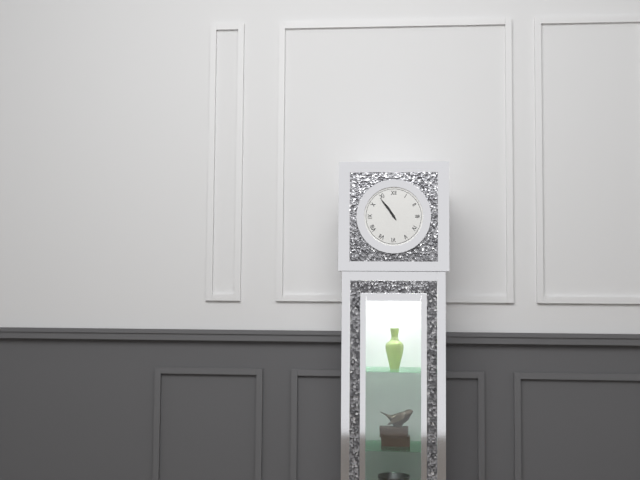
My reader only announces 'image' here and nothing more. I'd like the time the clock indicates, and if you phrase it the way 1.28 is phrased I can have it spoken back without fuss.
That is 10.54
